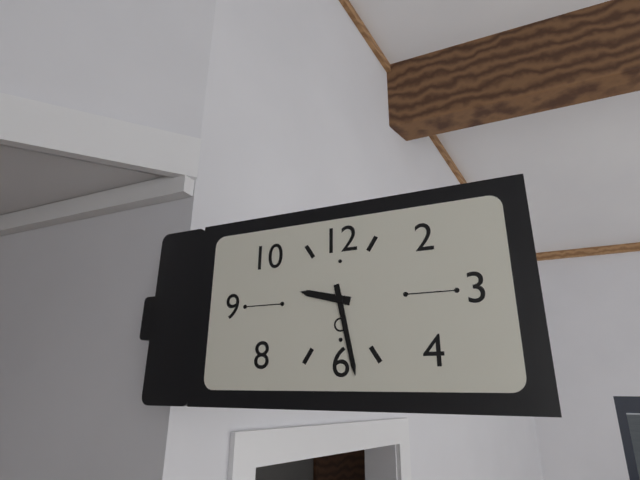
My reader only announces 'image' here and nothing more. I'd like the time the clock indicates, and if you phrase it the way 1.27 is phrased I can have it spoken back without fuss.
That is 9.28
